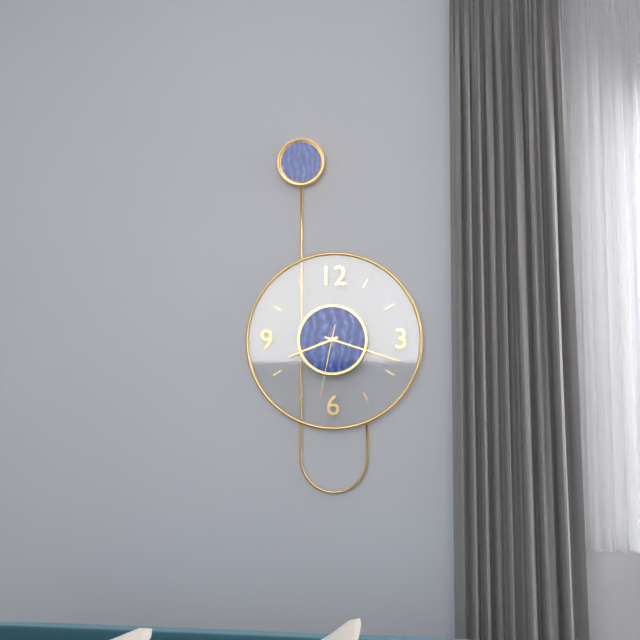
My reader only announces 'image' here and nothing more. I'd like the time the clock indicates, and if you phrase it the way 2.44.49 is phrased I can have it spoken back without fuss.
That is 8.18.32
